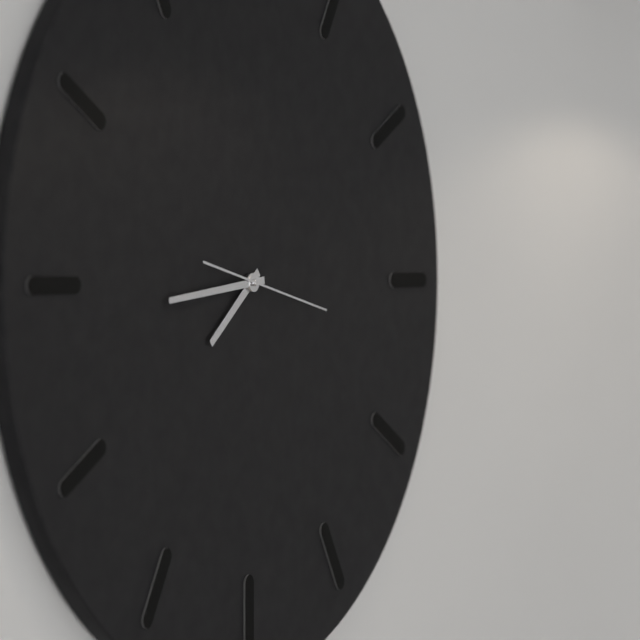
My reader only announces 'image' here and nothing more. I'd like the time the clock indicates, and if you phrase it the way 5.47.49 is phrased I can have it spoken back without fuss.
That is 7.44.17
